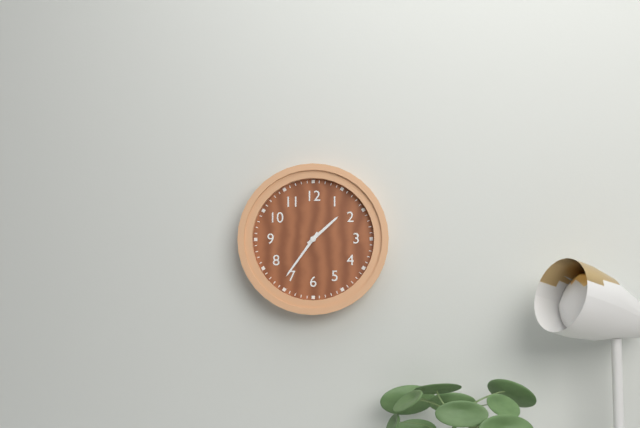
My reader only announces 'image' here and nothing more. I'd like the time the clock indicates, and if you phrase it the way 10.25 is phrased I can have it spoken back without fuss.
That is 1.36
